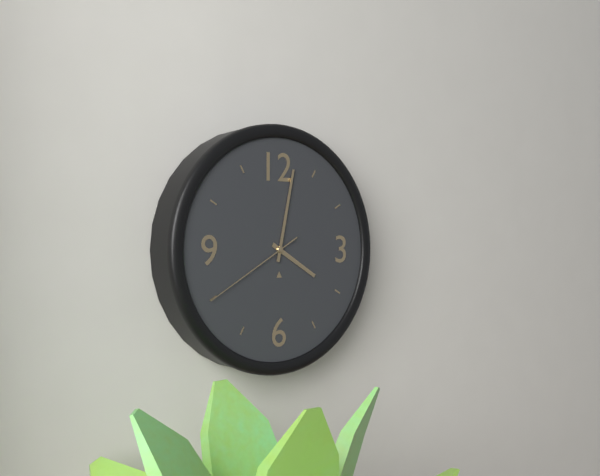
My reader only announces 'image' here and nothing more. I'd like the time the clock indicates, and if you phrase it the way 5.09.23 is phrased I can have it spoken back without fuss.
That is 4.02.40
